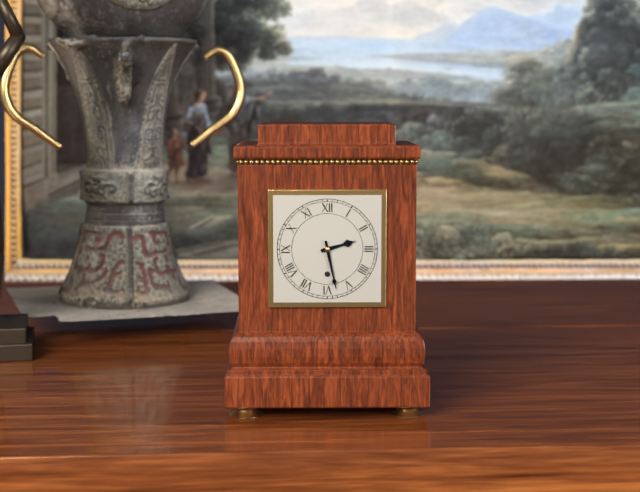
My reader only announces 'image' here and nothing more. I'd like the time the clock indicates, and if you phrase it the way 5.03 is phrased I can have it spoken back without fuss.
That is 2.28
